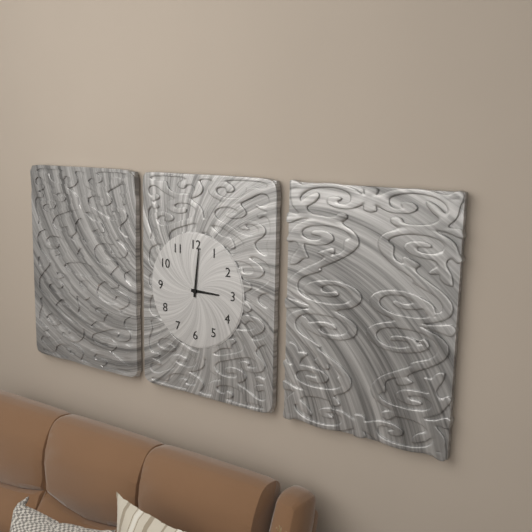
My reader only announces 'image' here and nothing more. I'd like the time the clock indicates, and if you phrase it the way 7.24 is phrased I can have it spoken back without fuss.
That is 3.01
